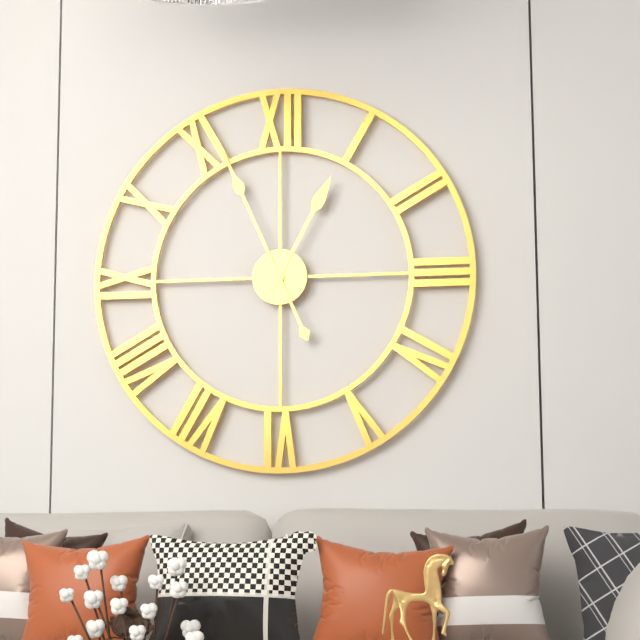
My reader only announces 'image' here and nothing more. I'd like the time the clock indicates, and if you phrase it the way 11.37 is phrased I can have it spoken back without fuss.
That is 12.56
